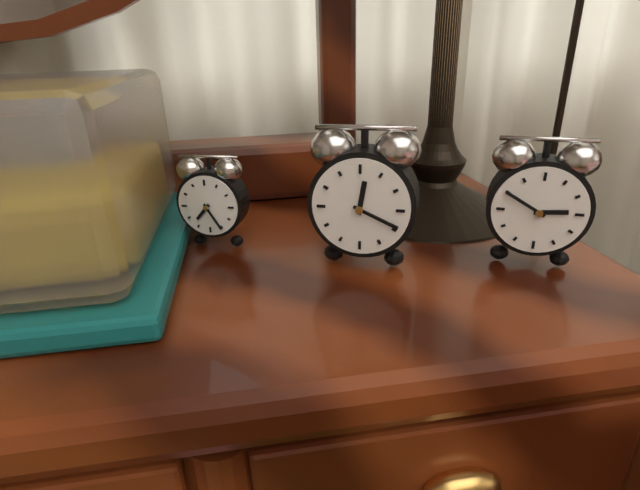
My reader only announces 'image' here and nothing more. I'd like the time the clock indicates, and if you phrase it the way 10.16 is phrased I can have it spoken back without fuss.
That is 12.19
